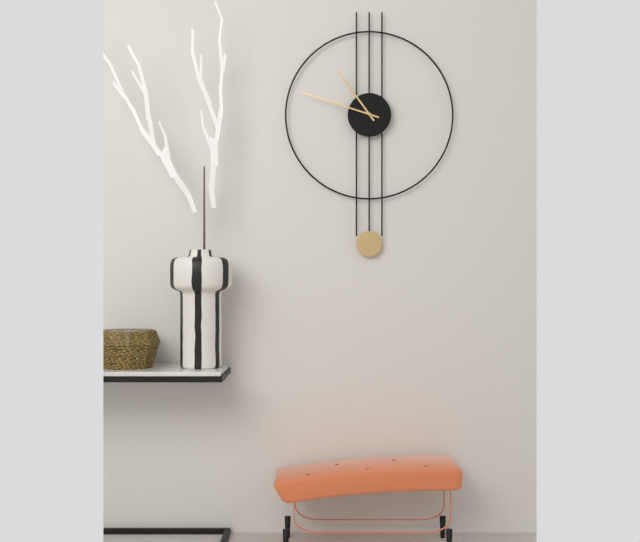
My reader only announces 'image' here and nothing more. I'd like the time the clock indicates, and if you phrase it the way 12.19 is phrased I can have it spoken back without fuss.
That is 10.48
